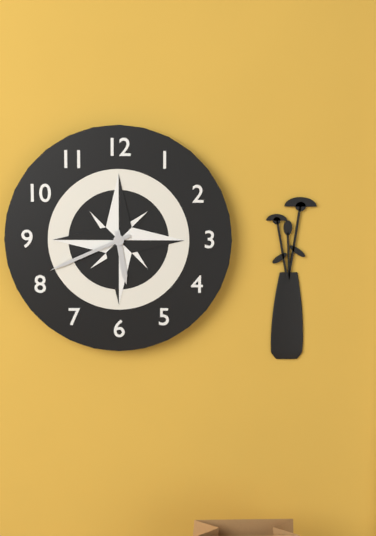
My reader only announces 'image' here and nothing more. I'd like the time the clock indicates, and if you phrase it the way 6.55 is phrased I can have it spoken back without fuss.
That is 5.41
